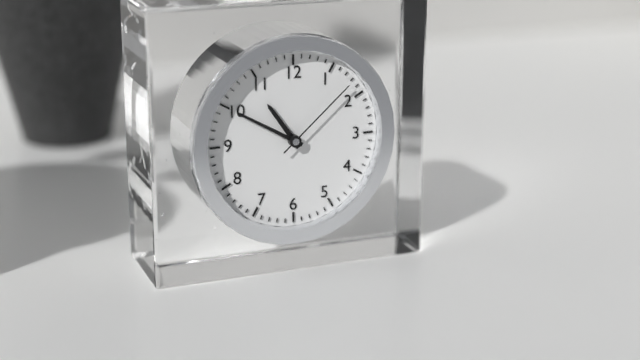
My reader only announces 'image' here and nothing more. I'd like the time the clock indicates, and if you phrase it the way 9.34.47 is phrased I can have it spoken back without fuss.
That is 10.50.08
